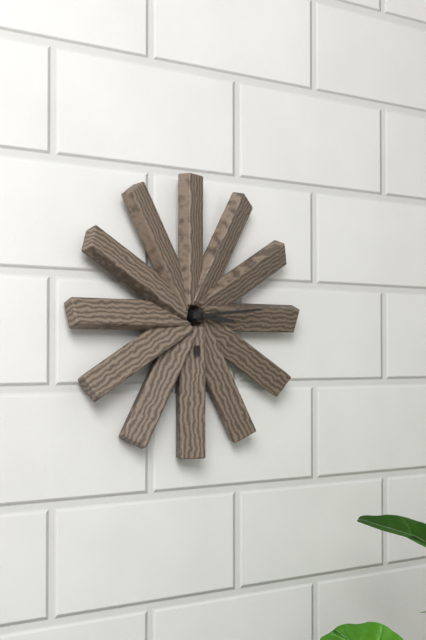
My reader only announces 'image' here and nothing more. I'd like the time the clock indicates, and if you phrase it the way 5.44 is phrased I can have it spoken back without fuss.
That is 3.14
